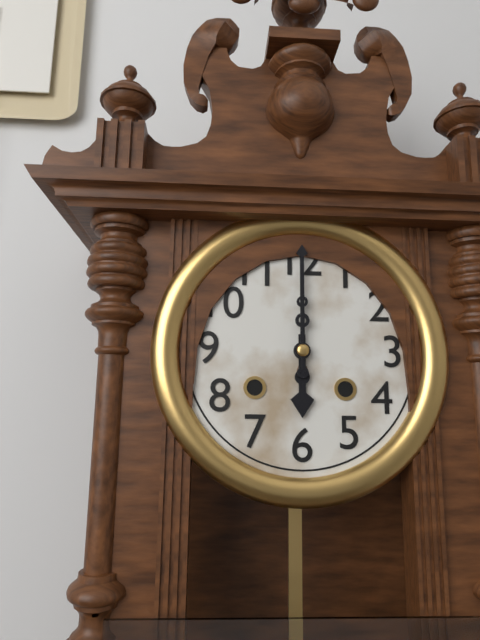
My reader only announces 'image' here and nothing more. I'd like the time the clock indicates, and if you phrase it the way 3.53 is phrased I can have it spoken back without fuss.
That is 6.00
